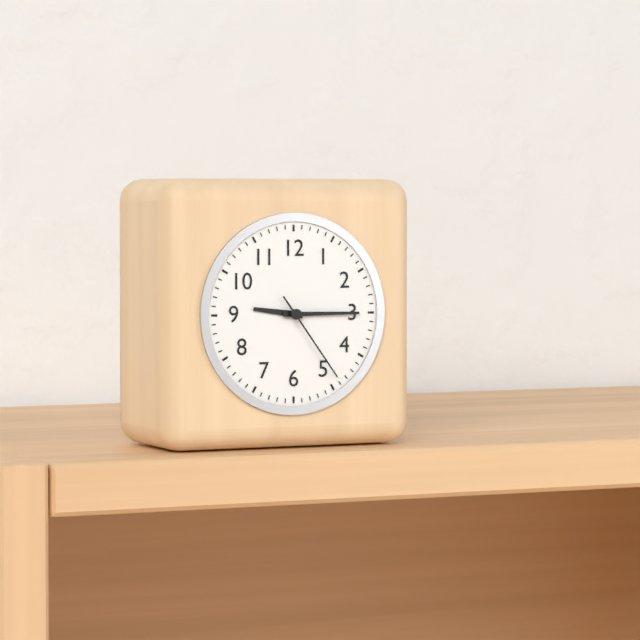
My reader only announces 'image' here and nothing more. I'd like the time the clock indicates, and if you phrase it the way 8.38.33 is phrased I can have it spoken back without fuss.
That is 9.15.24
